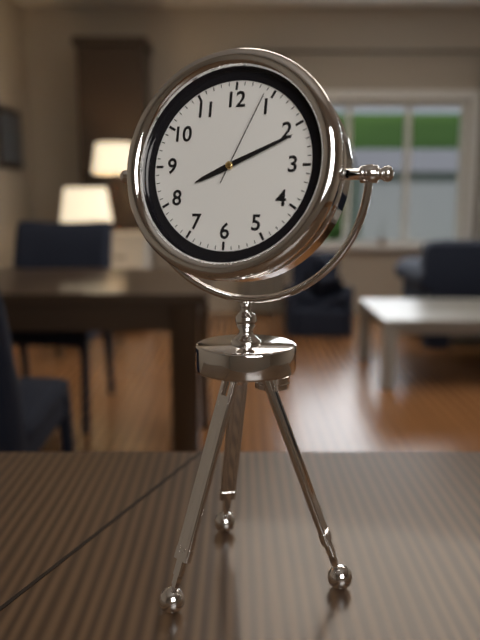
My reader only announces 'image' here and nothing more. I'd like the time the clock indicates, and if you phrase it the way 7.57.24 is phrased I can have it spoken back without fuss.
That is 8.11.04
